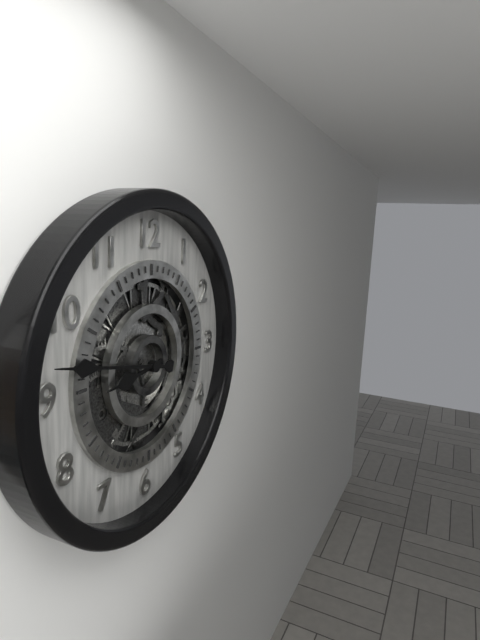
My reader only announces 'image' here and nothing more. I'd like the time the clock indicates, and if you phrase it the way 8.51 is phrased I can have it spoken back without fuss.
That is 8.47
